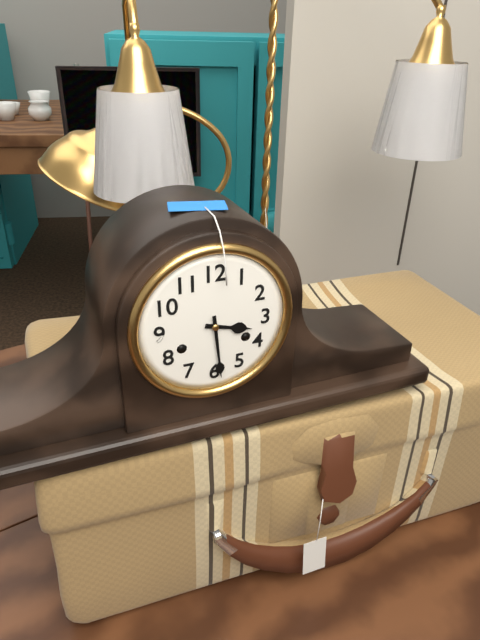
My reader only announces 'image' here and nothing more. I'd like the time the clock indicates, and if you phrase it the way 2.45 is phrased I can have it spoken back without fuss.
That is 3.29
